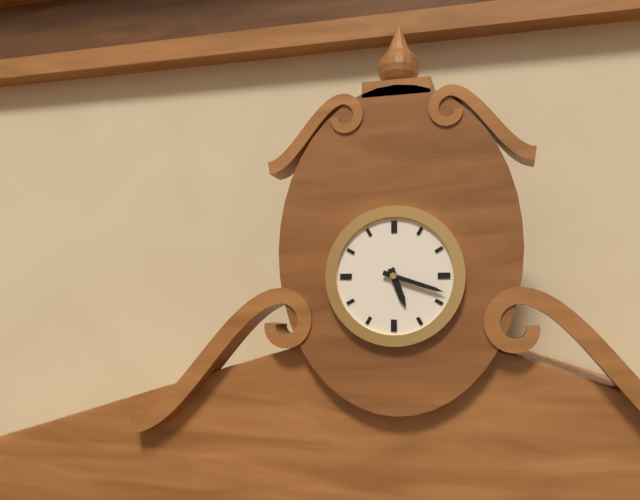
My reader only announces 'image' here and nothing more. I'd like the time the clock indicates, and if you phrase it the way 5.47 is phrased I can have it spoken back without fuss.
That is 5.18
